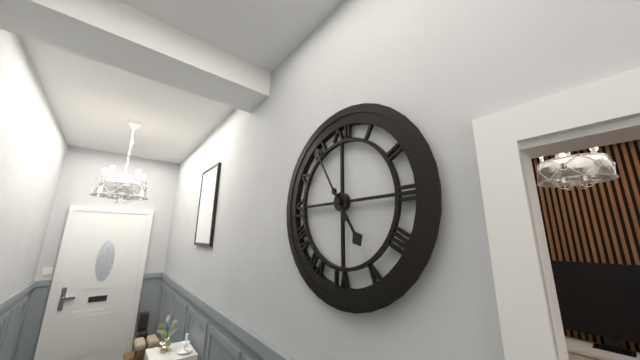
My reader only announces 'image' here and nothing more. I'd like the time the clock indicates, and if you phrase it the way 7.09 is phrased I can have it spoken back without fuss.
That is 4.55
